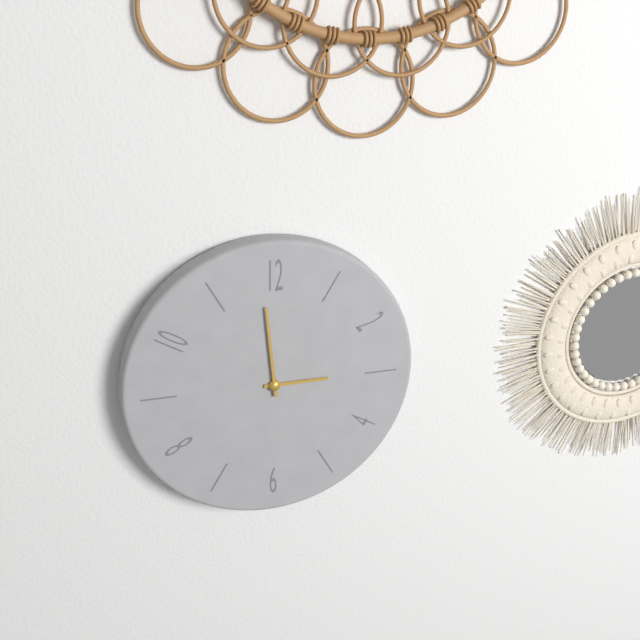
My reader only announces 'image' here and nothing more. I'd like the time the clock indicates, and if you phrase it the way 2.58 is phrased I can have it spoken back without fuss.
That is 2.59
